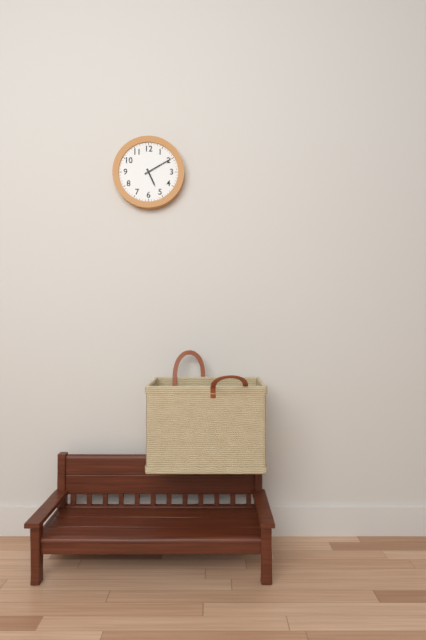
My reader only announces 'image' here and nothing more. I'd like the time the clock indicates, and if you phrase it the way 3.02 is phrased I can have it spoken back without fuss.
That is 5.10
